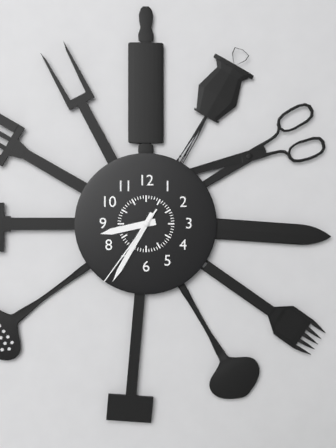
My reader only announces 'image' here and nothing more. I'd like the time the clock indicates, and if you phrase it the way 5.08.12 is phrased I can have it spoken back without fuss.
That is 8.35.36
